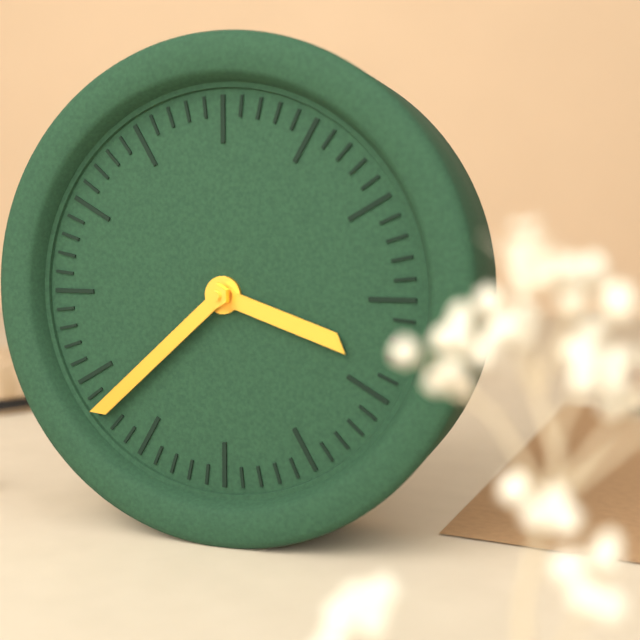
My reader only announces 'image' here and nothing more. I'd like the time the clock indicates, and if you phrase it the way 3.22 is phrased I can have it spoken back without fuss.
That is 3.38
